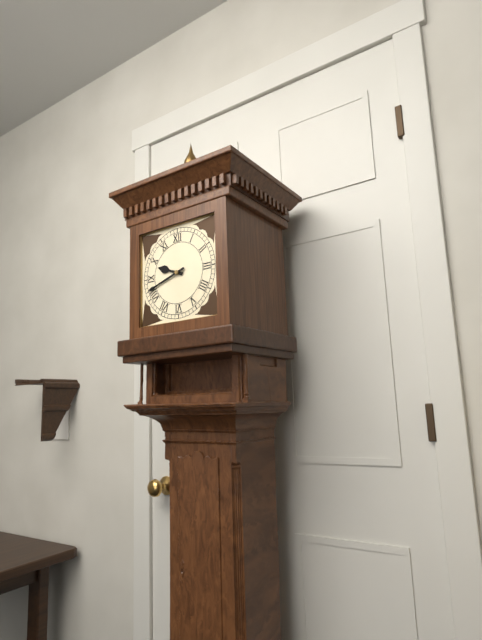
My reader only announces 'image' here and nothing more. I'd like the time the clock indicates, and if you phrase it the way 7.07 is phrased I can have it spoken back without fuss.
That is 9.42
